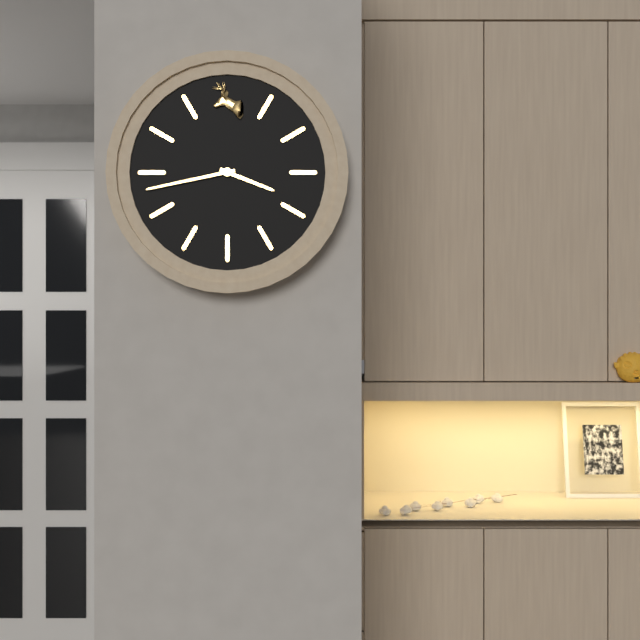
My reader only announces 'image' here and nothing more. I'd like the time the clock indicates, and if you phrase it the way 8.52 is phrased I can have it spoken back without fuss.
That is 3.43
